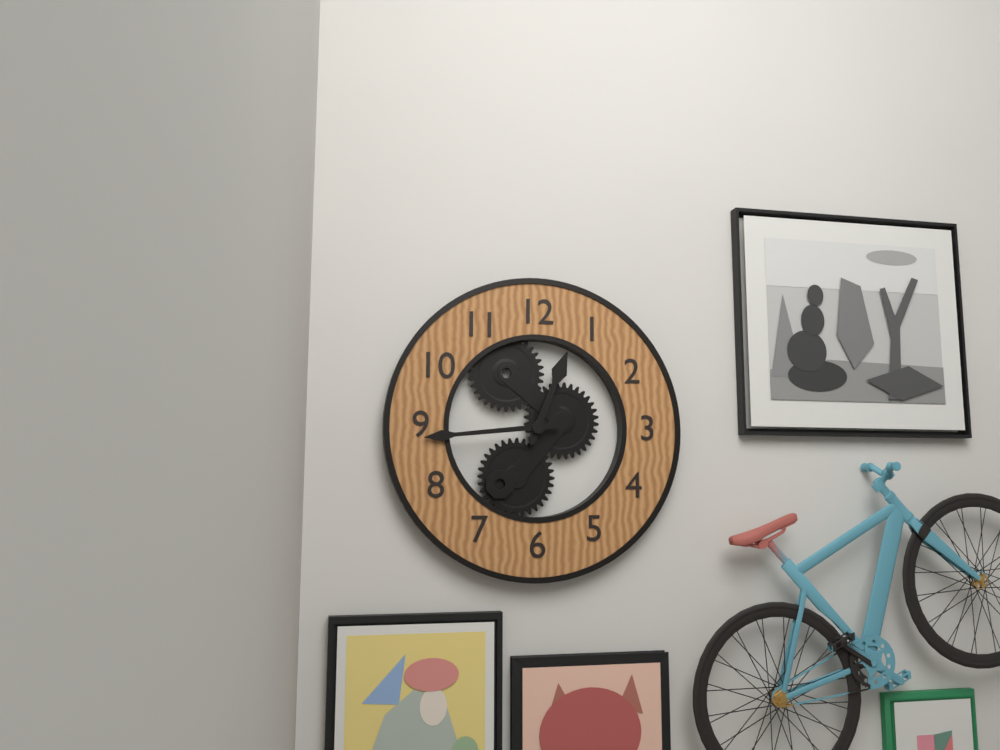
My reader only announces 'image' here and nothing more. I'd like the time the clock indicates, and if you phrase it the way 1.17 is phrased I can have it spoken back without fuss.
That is 12.44
